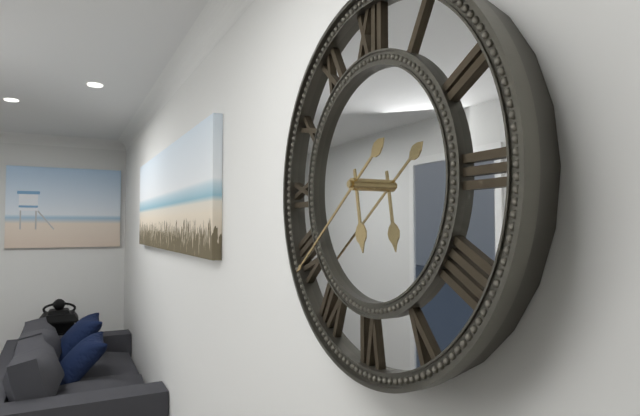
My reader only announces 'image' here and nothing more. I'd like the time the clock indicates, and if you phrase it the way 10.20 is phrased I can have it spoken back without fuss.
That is 5.39
